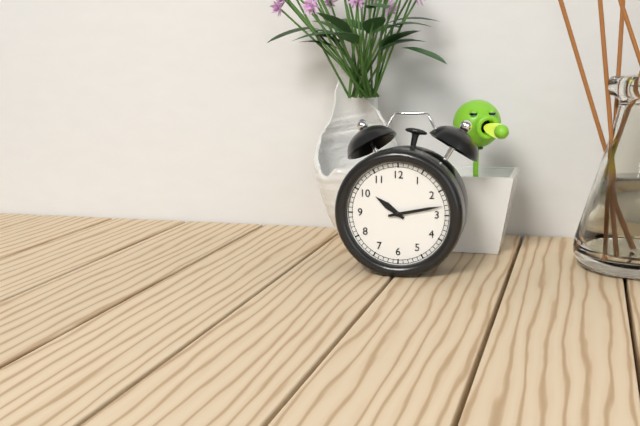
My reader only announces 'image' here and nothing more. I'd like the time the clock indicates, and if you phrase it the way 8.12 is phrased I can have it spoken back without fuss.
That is 10.13
